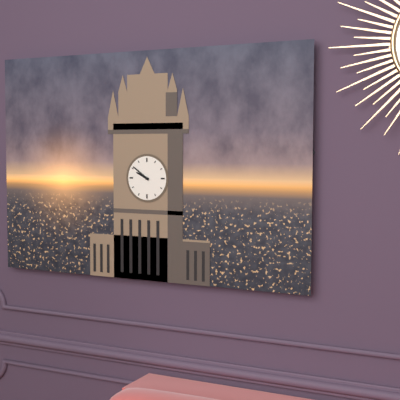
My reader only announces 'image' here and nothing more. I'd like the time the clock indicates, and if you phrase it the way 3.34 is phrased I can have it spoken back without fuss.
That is 9.51
